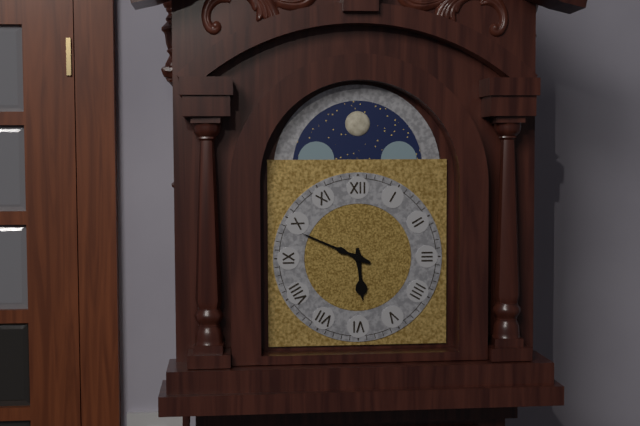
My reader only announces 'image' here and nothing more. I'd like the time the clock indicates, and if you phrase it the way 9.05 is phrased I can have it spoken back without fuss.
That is 5.49
